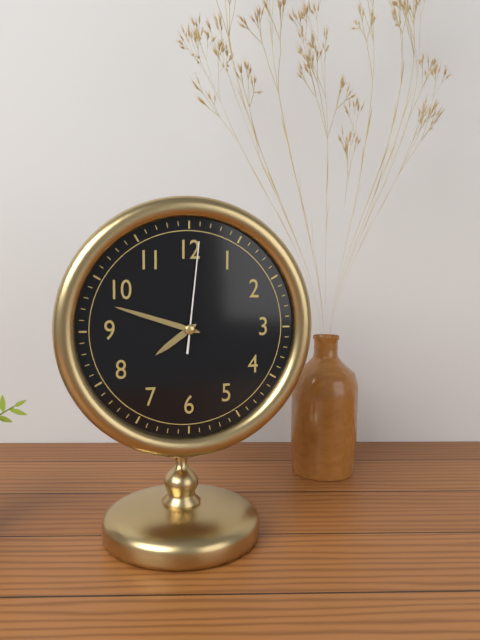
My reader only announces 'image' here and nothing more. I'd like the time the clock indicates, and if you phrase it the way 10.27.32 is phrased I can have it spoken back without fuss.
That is 7.48.01
